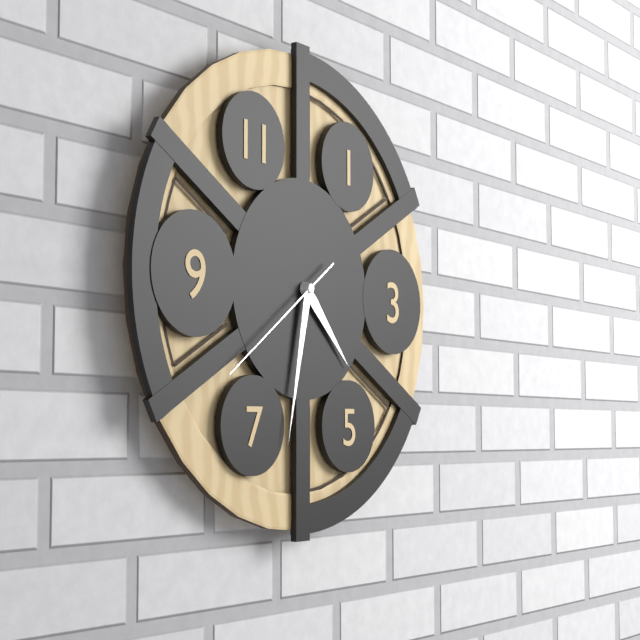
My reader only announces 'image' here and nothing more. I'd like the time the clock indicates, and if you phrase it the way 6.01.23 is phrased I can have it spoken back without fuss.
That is 4.32.39
